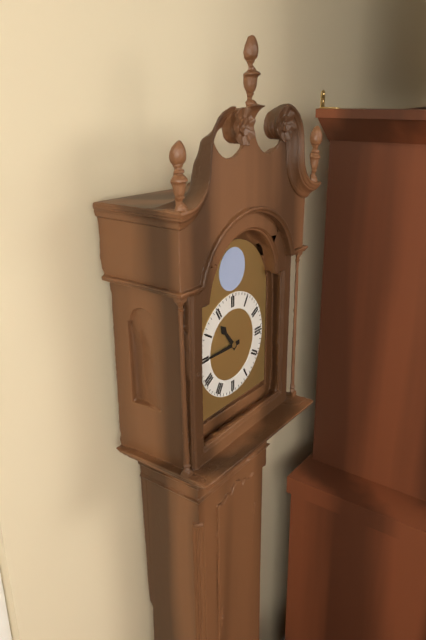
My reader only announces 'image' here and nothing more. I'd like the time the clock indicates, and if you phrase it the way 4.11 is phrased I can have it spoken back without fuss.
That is 10.45
